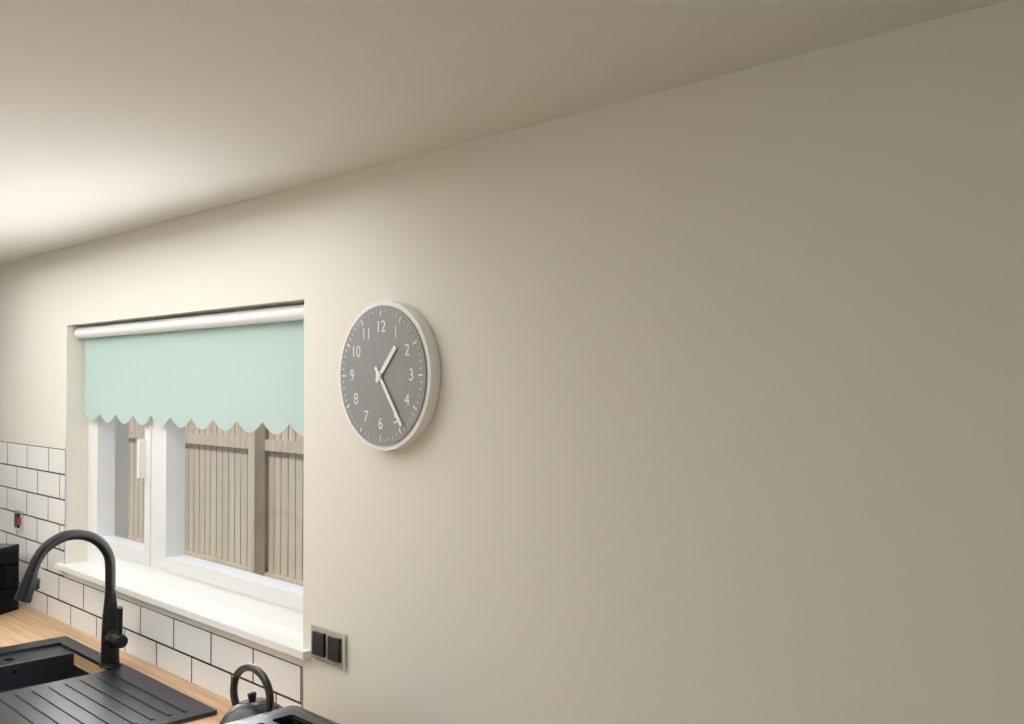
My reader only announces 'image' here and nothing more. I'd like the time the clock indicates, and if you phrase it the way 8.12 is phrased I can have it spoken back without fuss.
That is 1.24
